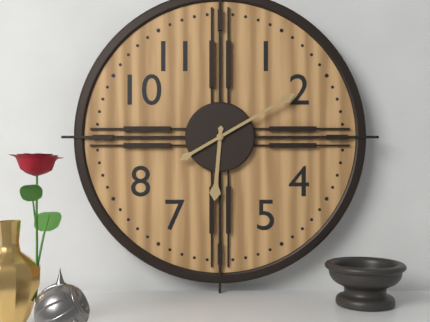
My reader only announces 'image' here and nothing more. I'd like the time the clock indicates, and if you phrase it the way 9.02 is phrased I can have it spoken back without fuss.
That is 6.10
